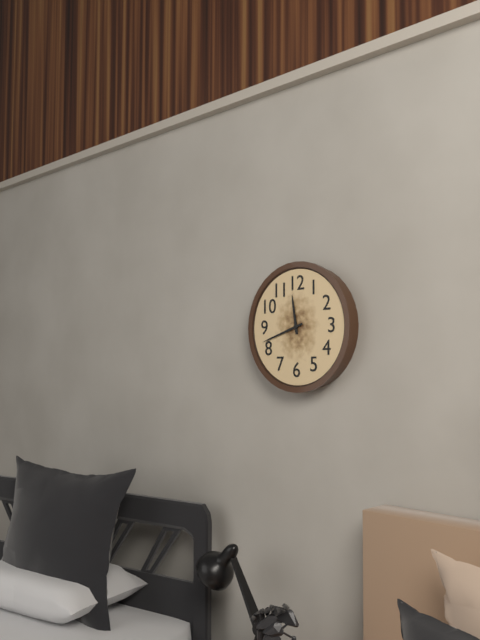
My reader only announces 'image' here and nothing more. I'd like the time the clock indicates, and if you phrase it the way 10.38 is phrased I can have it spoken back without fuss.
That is 11.42
